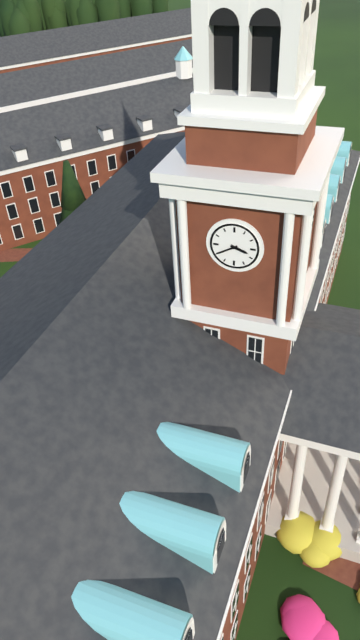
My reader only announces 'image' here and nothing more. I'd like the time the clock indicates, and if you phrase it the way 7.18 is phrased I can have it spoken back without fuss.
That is 3.40
